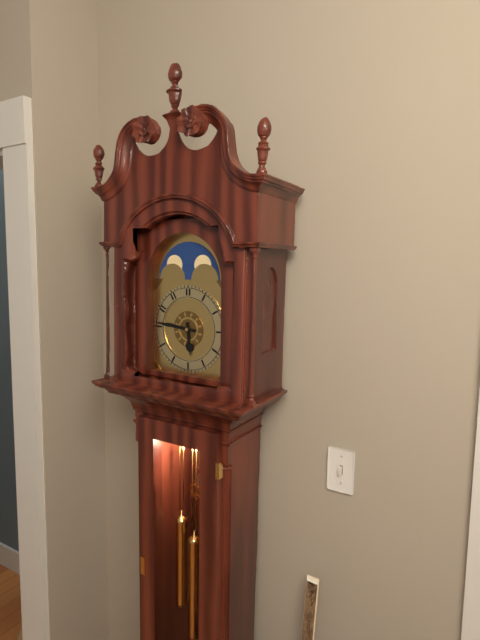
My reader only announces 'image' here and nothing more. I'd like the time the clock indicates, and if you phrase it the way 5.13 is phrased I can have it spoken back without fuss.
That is 5.46
